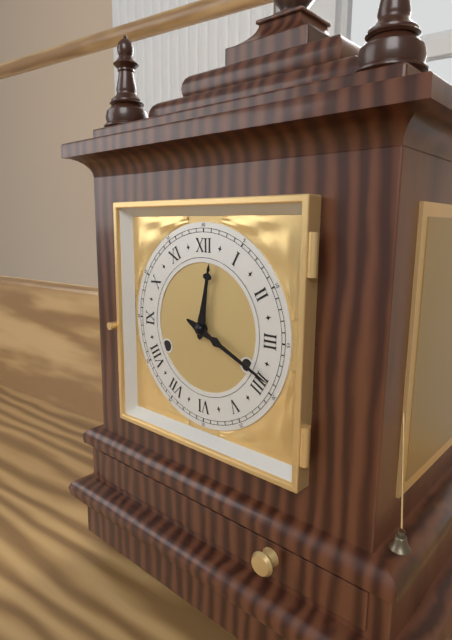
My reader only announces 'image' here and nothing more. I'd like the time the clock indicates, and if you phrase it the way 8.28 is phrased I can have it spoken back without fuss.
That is 12.19
